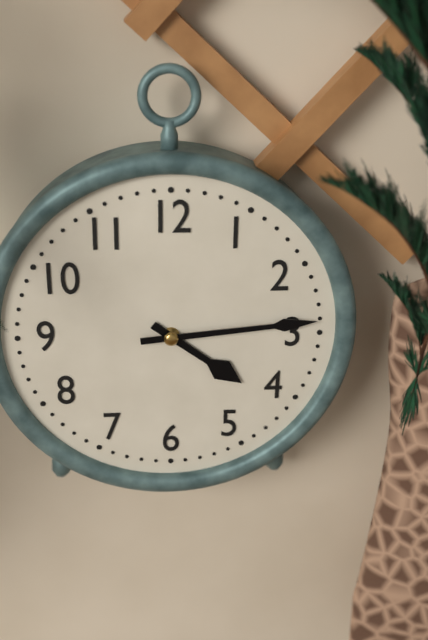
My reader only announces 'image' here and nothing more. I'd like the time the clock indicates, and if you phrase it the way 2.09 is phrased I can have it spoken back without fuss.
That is 4.14
